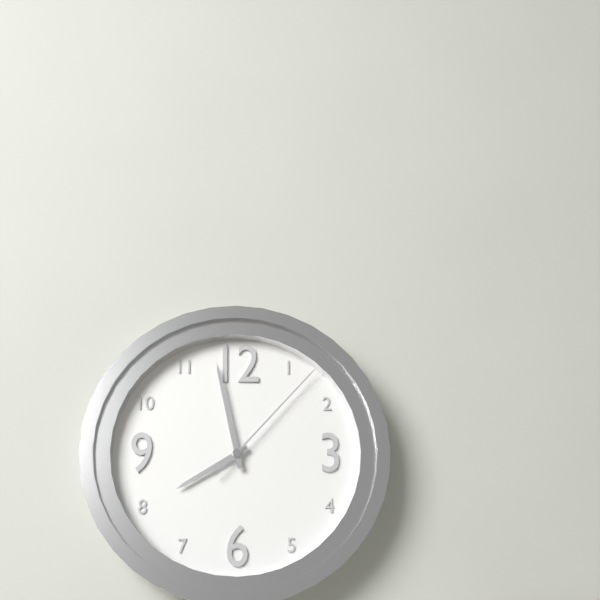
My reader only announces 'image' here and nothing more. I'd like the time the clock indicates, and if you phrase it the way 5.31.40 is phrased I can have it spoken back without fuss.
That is 7.58.07
